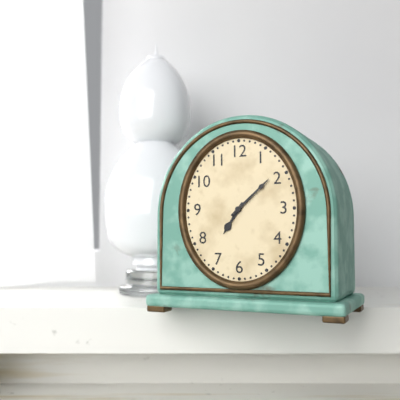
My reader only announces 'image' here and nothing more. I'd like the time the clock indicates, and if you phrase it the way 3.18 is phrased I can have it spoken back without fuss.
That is 7.08
